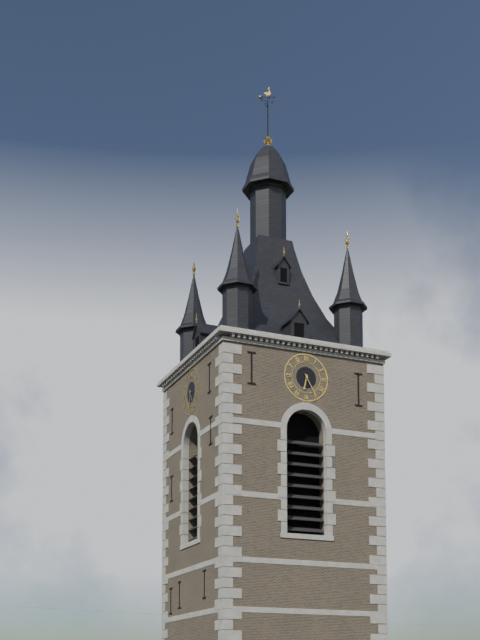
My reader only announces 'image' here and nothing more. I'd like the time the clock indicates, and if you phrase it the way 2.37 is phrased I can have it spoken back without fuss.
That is 6.25
